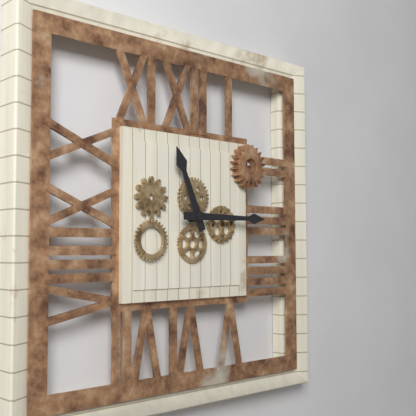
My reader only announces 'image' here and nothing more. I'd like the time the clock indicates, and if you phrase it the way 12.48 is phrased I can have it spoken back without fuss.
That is 11.15
